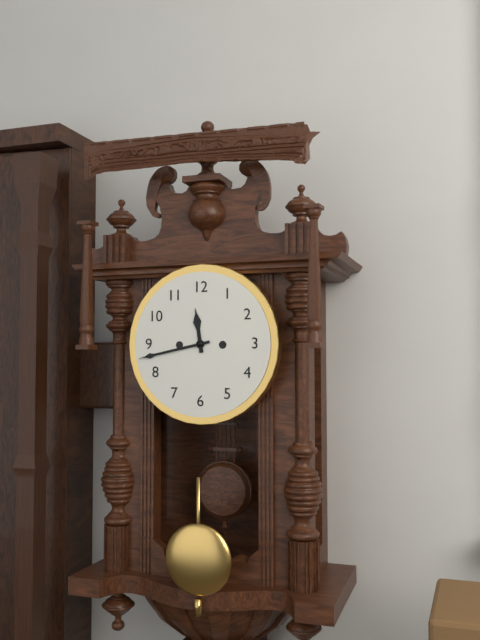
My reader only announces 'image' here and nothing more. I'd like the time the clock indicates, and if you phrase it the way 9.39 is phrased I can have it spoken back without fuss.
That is 11.43
